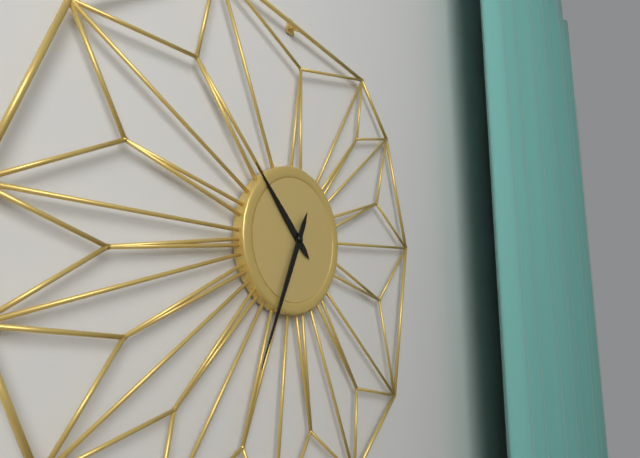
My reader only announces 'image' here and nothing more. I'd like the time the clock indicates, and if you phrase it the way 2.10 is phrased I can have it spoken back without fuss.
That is 10.34
